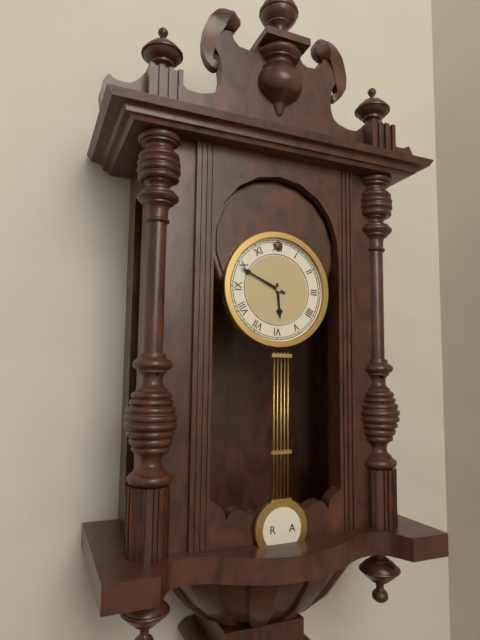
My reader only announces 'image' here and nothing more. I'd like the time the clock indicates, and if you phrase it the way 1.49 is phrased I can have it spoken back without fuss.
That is 5.49
